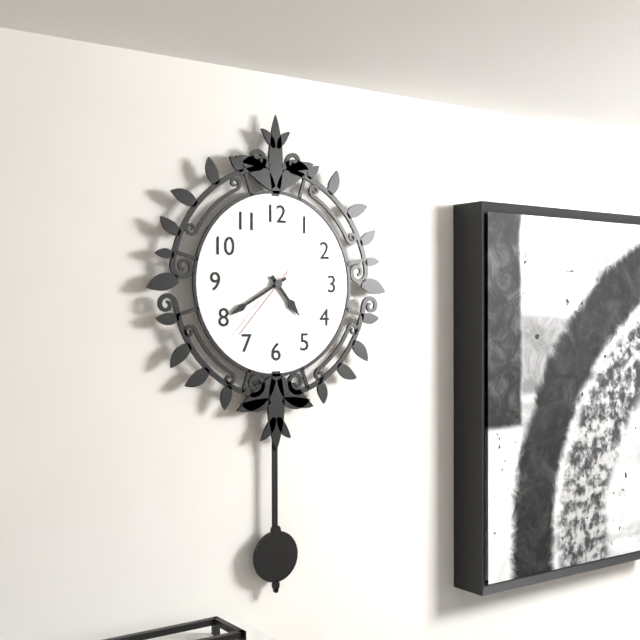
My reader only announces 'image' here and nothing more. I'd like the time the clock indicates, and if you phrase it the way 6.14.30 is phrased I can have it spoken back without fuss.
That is 4.40.37
